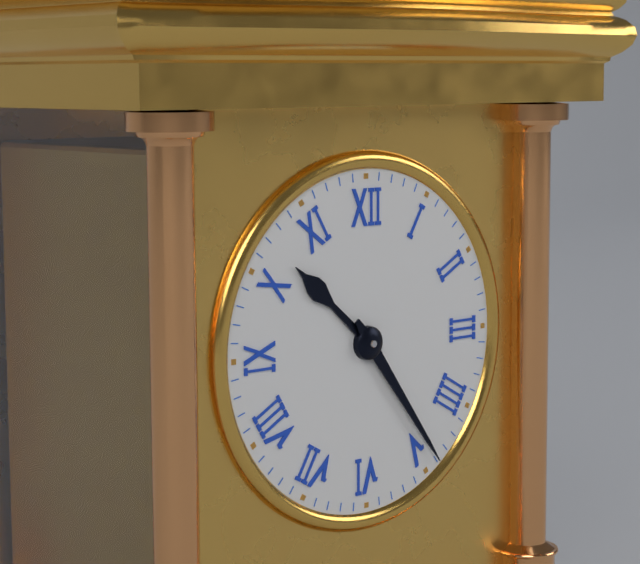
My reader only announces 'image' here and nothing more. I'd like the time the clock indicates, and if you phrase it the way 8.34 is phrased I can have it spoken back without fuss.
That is 10.24
